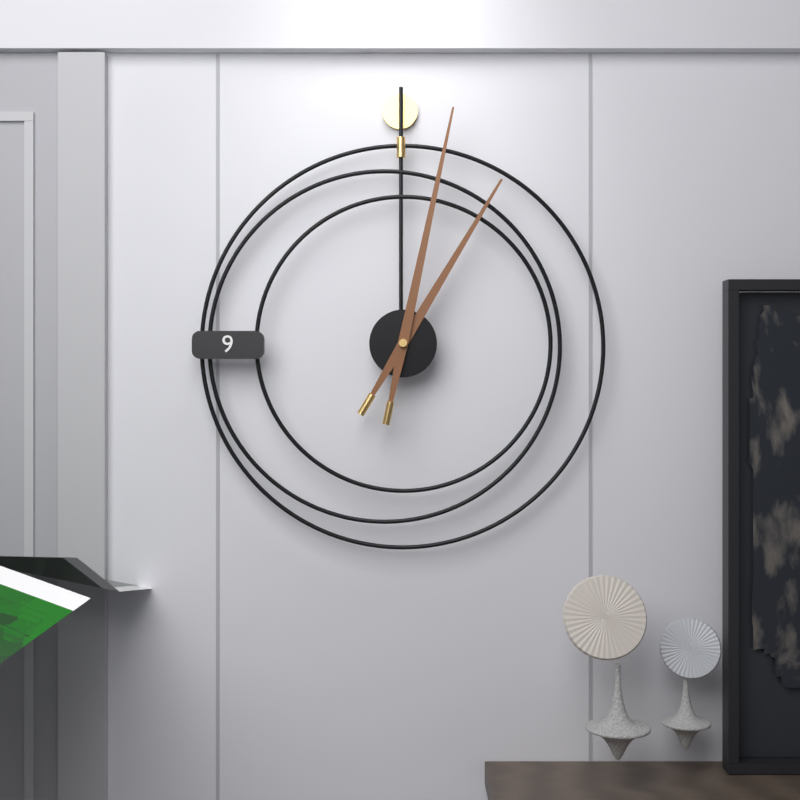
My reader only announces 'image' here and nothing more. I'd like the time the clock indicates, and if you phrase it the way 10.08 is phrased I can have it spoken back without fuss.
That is 1.02
